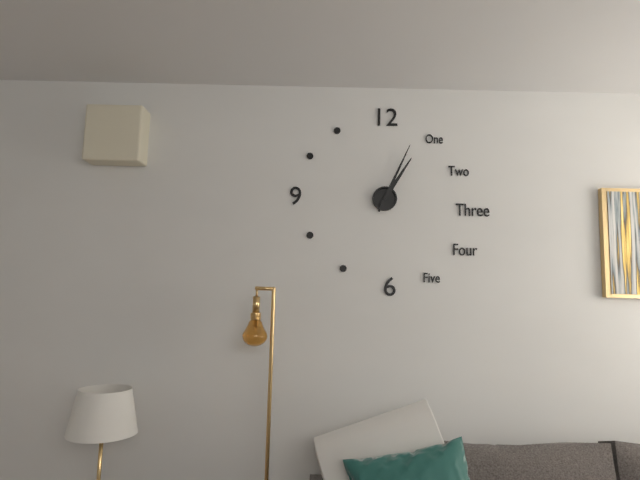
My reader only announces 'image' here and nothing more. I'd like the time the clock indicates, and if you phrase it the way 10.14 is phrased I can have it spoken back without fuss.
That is 1.04
